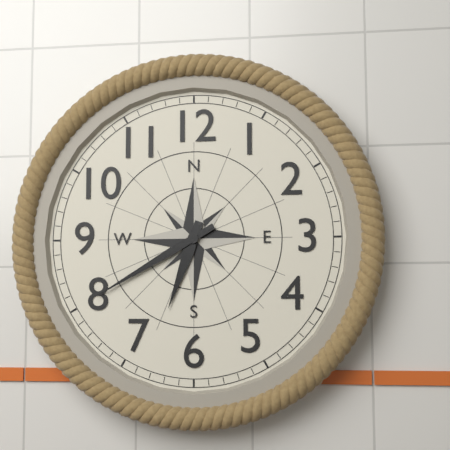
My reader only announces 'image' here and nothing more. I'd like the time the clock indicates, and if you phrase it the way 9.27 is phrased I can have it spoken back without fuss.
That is 6.40
